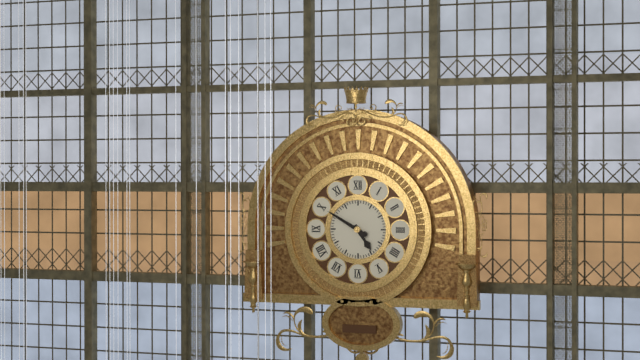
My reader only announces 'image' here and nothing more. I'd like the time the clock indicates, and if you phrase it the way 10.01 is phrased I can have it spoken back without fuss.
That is 4.50
